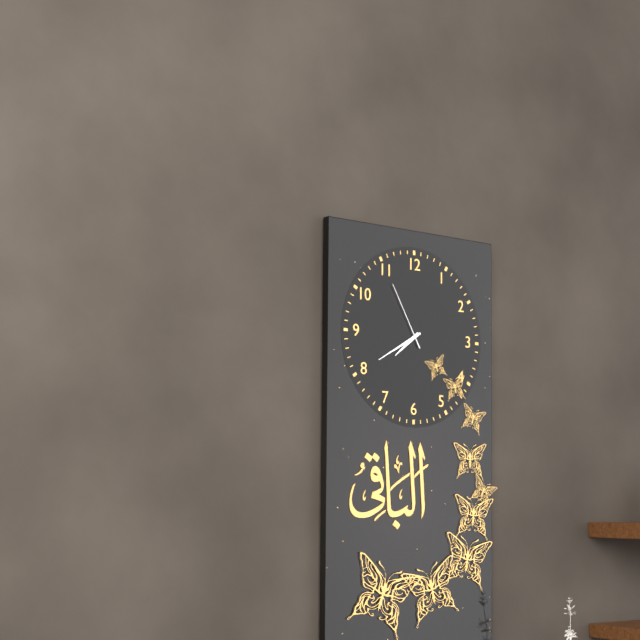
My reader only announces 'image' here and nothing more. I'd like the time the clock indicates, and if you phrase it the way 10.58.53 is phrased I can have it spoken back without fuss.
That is 7.40.55
